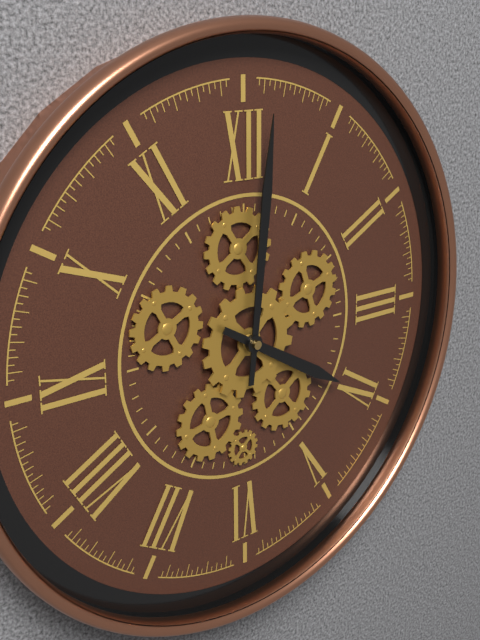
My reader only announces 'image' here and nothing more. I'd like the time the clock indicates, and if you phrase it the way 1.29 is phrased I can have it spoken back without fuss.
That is 4.01
